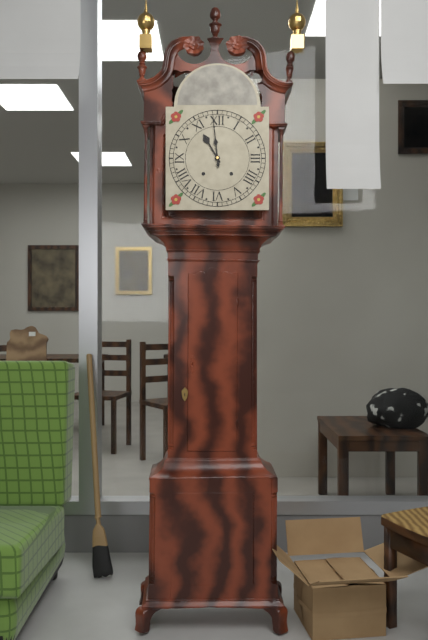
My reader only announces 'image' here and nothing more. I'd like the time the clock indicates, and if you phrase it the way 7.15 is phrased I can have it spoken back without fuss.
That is 10.59
